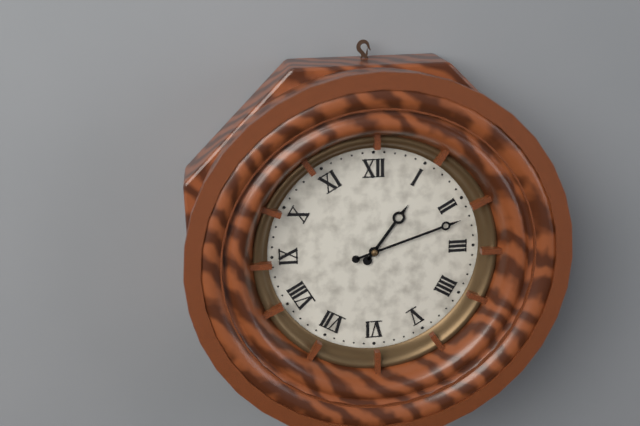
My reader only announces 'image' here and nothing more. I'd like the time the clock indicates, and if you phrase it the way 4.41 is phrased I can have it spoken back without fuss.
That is 1.12
